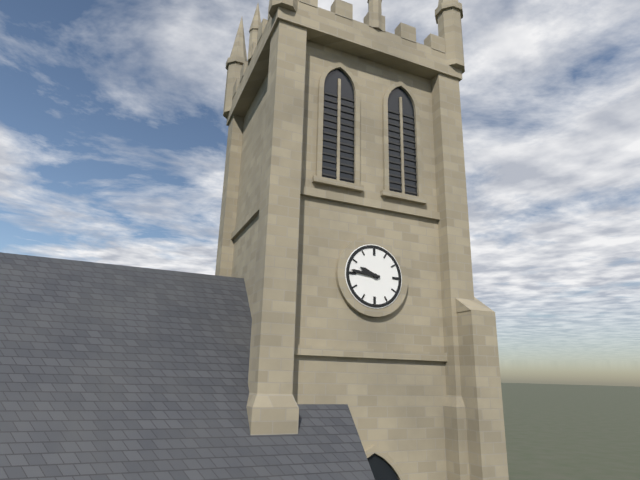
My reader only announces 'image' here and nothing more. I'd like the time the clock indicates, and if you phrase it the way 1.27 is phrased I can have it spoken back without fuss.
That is 9.46
